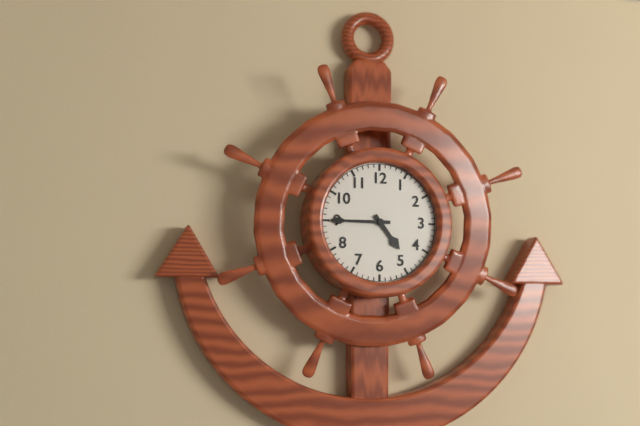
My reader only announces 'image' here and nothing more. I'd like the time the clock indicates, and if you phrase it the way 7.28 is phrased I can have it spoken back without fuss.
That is 4.45
